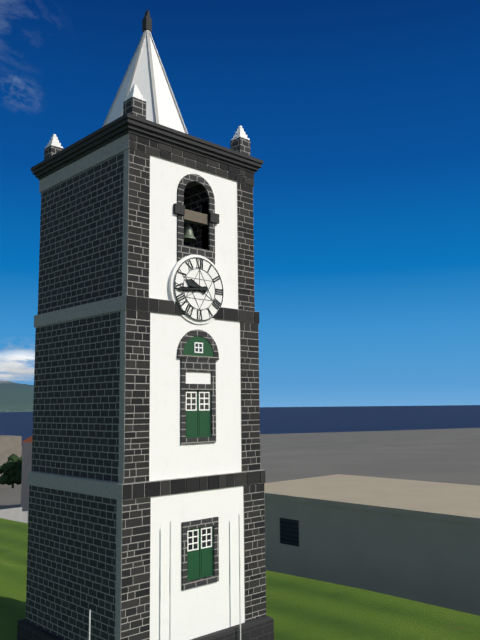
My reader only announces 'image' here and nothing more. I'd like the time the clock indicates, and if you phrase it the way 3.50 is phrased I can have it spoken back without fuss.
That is 9.44
